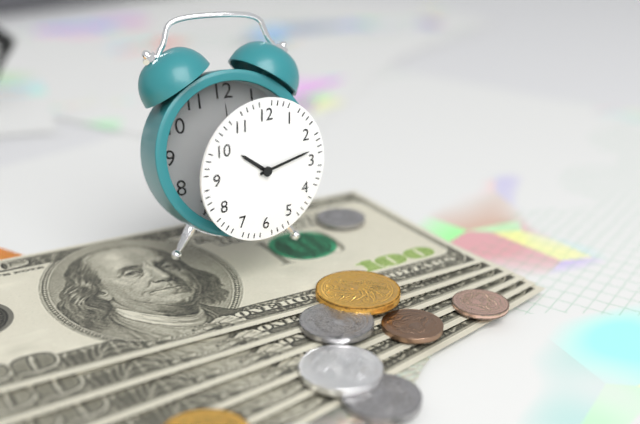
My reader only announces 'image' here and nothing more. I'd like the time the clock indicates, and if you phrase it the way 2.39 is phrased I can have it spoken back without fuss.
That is 10.13
